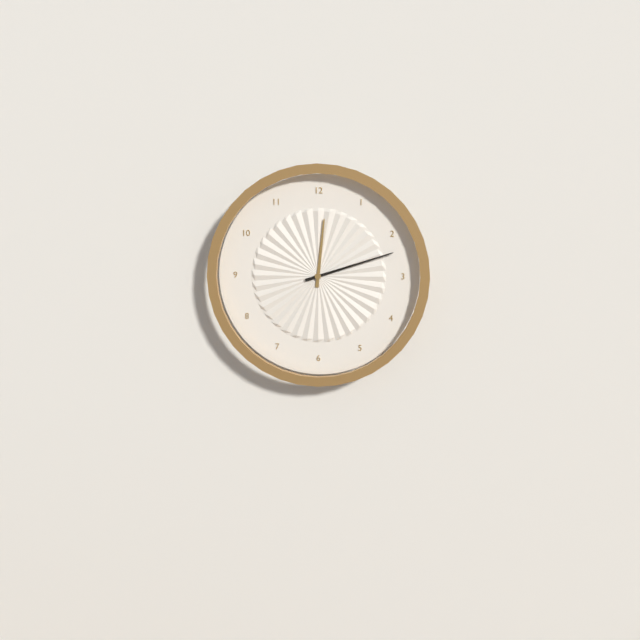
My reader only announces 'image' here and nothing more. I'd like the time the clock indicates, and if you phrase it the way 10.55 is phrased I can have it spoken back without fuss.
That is 12.12
